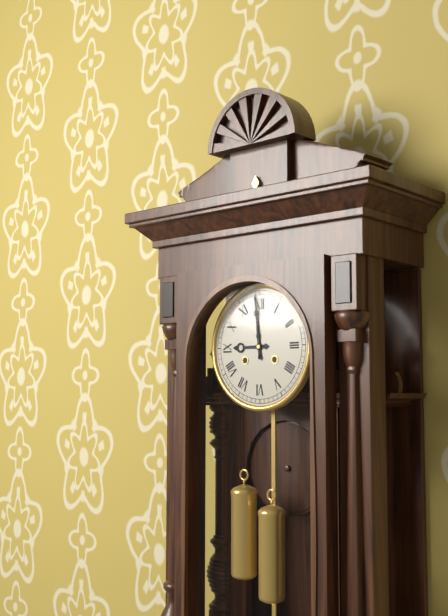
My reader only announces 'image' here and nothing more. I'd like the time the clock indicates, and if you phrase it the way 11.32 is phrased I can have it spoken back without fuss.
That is 8.59
